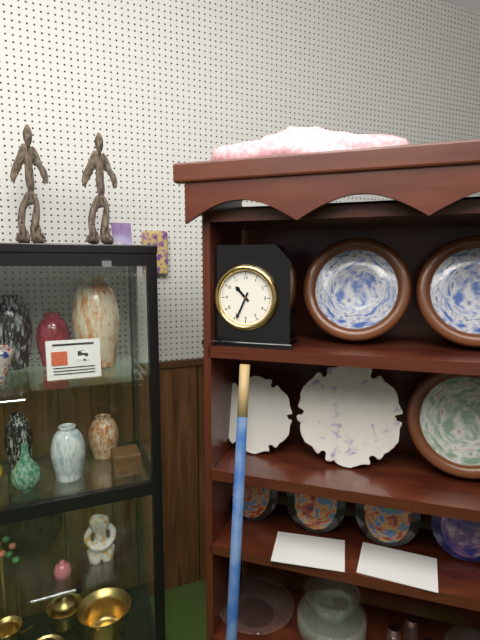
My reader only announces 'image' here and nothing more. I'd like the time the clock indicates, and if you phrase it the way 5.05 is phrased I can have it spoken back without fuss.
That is 10.34
